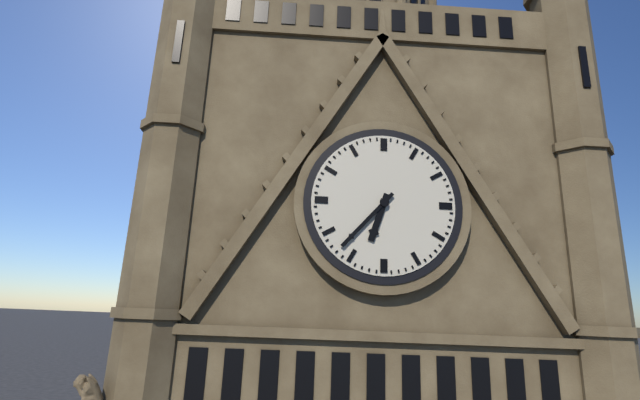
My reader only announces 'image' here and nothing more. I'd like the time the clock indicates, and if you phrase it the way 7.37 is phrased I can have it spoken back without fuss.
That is 6.37
